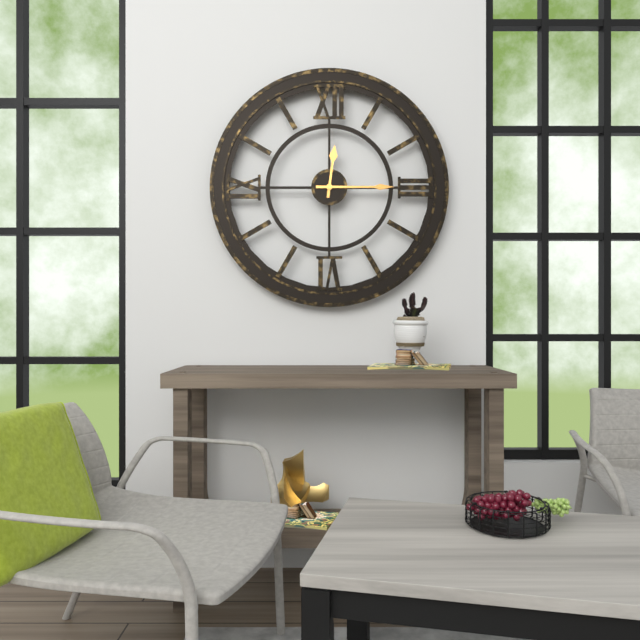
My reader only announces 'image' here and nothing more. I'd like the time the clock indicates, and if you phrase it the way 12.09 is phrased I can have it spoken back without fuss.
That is 12.15
